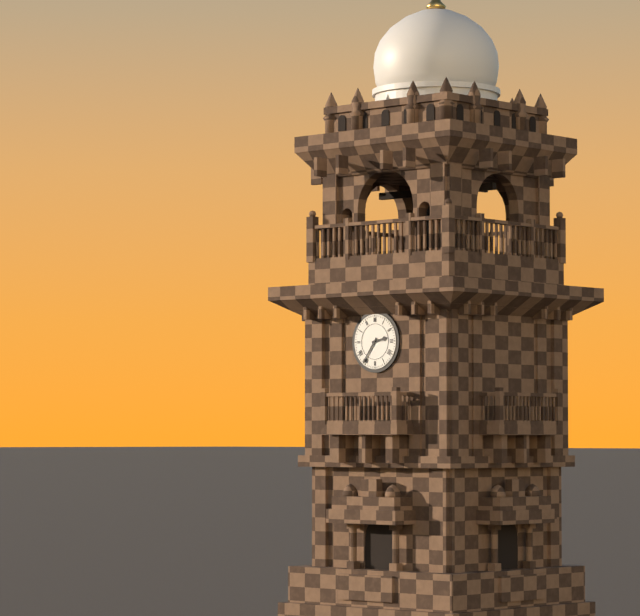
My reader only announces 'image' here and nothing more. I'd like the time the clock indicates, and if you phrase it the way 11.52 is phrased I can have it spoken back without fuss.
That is 2.36
